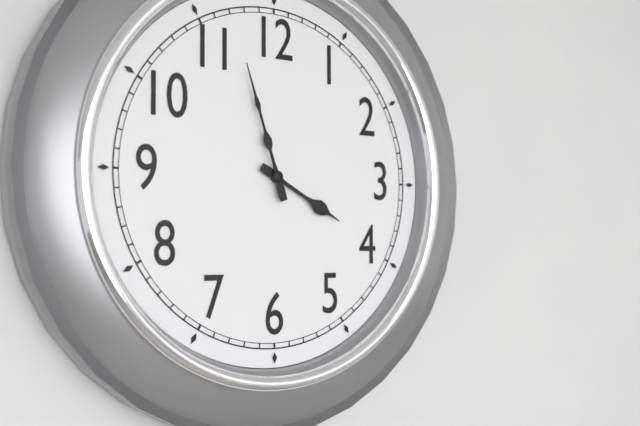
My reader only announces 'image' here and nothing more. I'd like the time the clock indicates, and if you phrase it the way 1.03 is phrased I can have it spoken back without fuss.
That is 3.57
